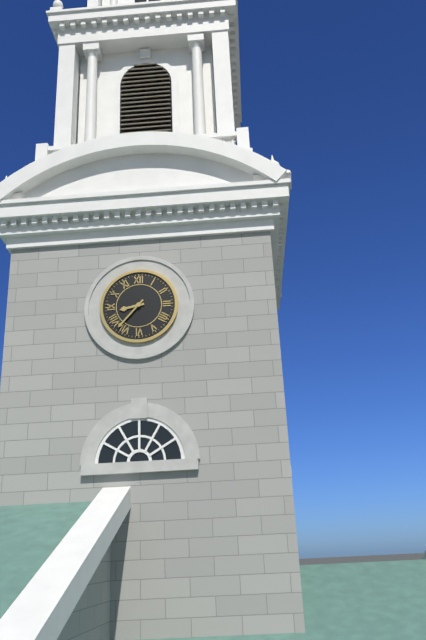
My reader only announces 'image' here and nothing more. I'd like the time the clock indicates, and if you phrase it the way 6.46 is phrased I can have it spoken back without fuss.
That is 8.37
